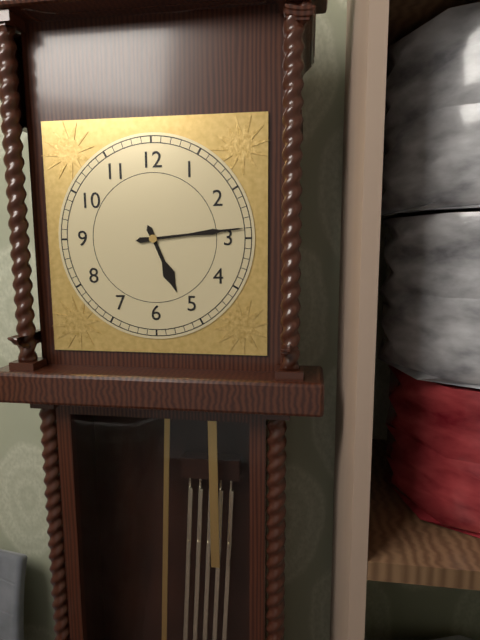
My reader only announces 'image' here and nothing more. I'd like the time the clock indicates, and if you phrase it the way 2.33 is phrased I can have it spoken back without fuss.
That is 5.14
